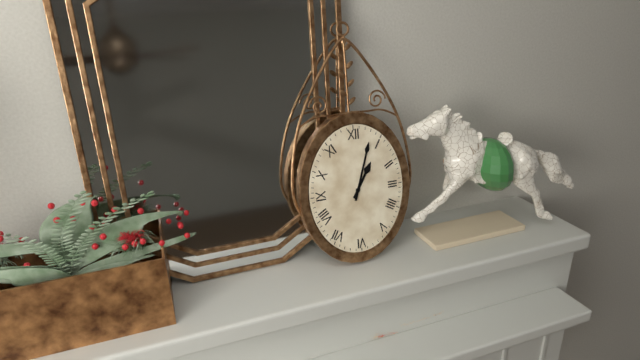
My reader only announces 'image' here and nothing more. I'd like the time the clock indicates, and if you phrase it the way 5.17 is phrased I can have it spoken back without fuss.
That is 1.03
